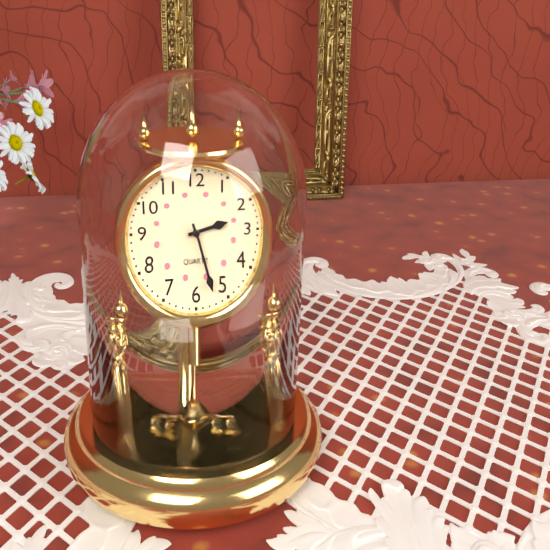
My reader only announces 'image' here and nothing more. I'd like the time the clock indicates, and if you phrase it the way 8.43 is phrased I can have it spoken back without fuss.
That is 2.27
